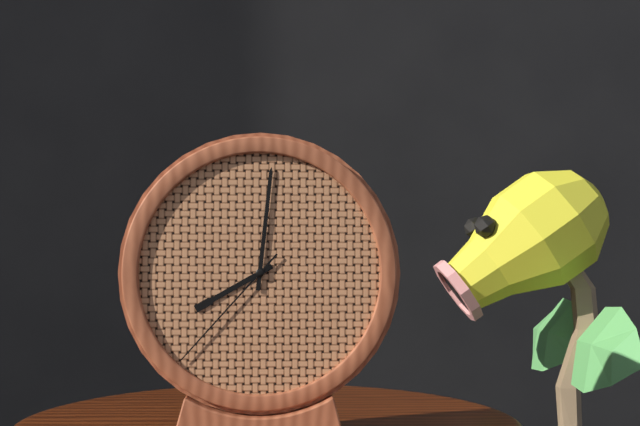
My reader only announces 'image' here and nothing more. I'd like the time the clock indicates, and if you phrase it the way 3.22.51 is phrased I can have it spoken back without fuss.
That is 8.01.37
